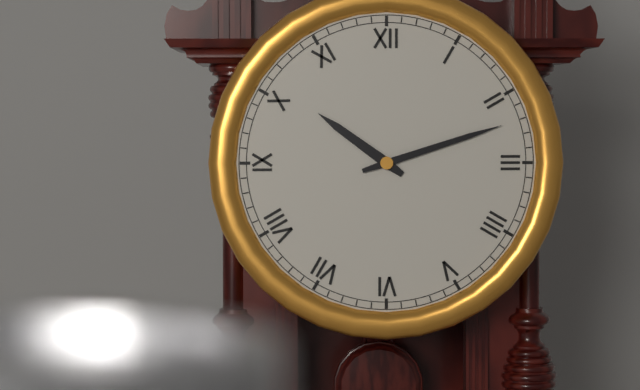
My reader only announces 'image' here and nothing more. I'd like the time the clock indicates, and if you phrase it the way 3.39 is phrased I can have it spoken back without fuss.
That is 10.12
